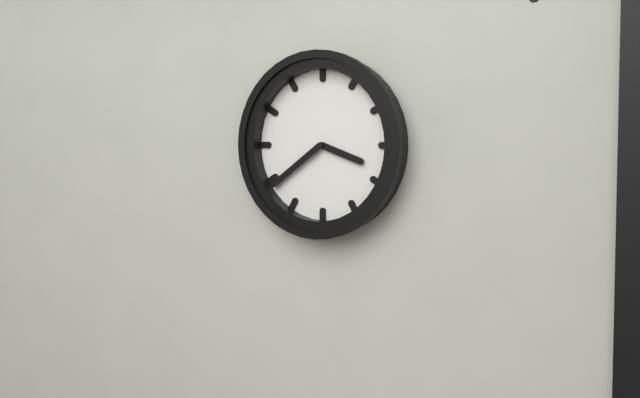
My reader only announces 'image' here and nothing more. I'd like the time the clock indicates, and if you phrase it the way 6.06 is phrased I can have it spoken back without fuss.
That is 3.39
